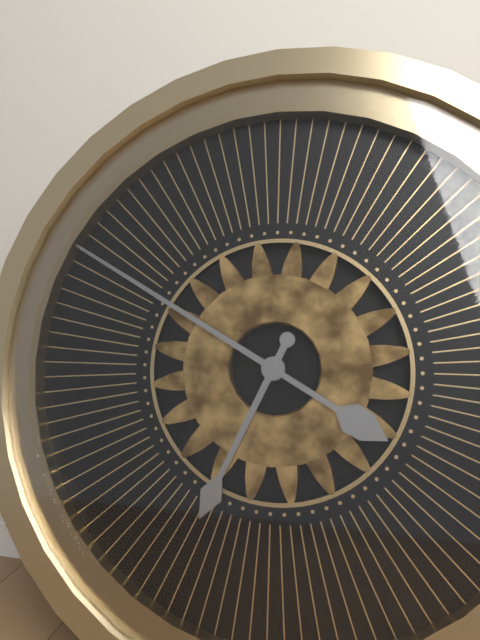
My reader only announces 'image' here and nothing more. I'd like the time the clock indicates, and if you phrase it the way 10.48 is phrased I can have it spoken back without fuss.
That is 6.50
